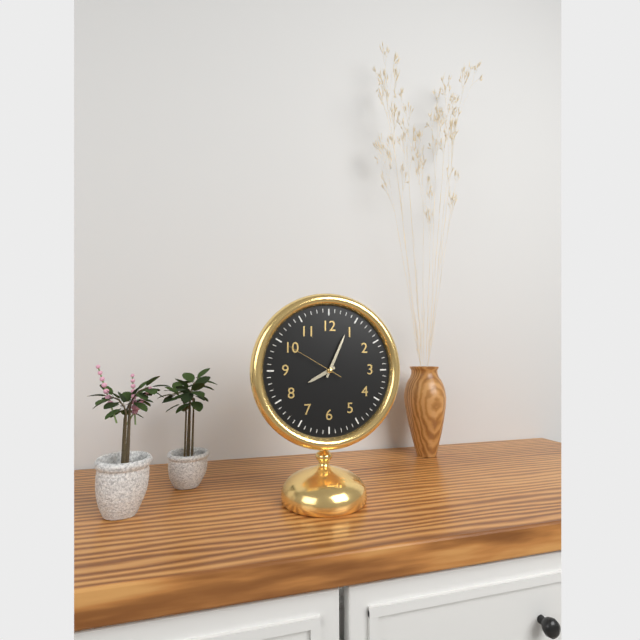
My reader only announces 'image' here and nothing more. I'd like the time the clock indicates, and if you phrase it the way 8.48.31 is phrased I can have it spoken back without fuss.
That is 8.04.50
